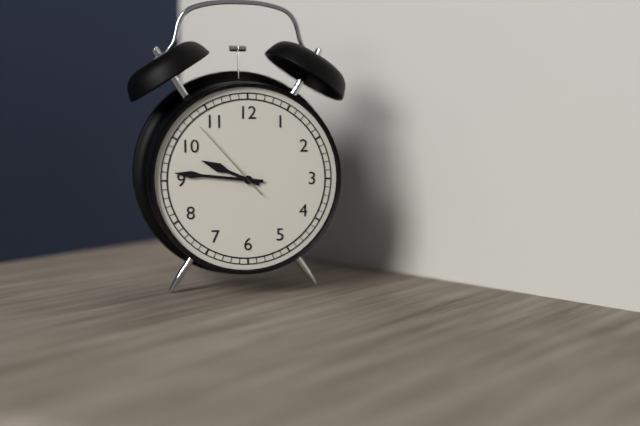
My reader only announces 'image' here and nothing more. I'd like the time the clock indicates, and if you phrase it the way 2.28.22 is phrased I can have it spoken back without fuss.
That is 9.46.53
